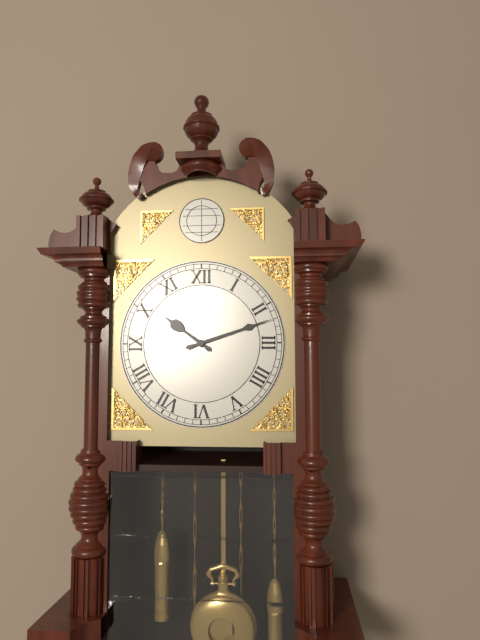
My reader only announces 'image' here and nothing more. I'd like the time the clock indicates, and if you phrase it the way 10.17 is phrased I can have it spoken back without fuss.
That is 10.12
